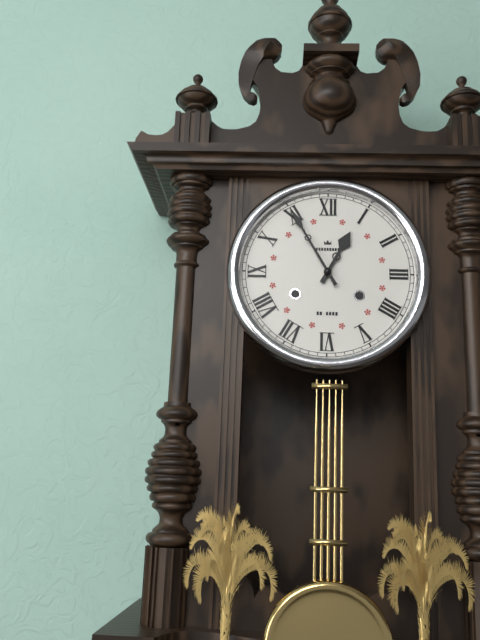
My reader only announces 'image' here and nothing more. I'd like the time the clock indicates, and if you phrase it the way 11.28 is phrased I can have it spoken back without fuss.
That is 12.55
